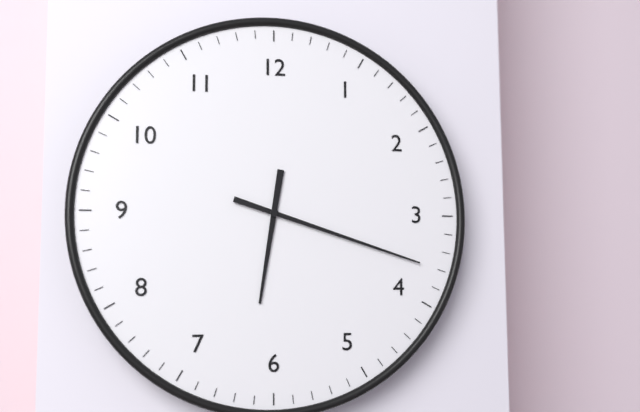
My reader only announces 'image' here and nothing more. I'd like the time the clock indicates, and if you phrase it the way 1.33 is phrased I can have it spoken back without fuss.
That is 6.18
